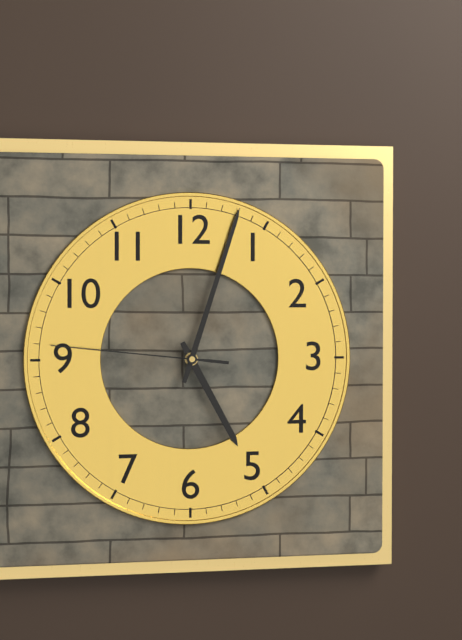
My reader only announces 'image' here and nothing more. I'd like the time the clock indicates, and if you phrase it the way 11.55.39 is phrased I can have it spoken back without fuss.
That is 5.03.46
